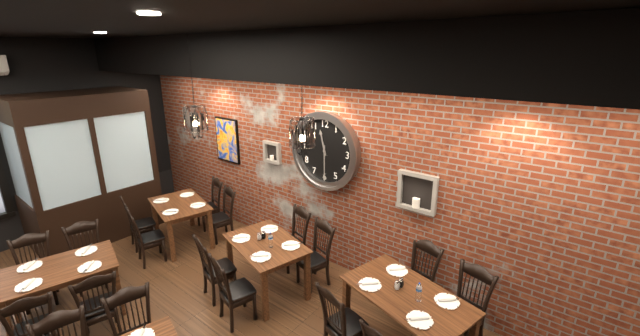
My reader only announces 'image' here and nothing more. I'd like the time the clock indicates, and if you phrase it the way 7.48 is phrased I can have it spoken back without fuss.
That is 11.30
